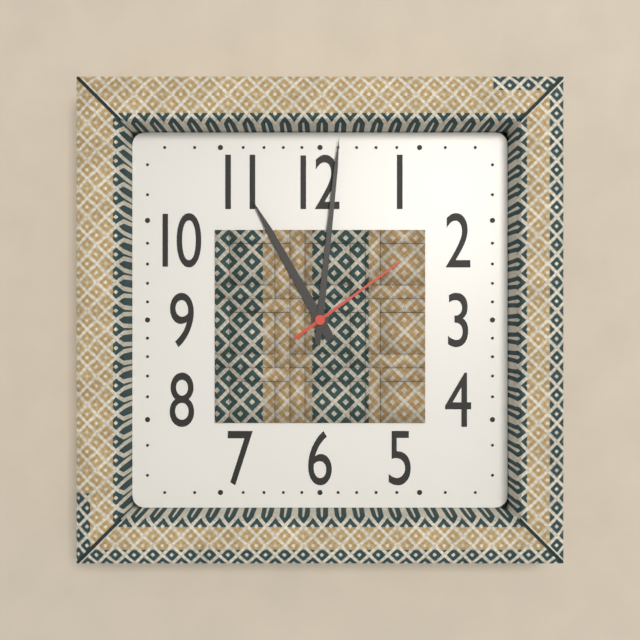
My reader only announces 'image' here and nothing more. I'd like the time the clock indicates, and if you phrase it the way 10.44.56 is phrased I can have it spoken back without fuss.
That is 11.01.09
